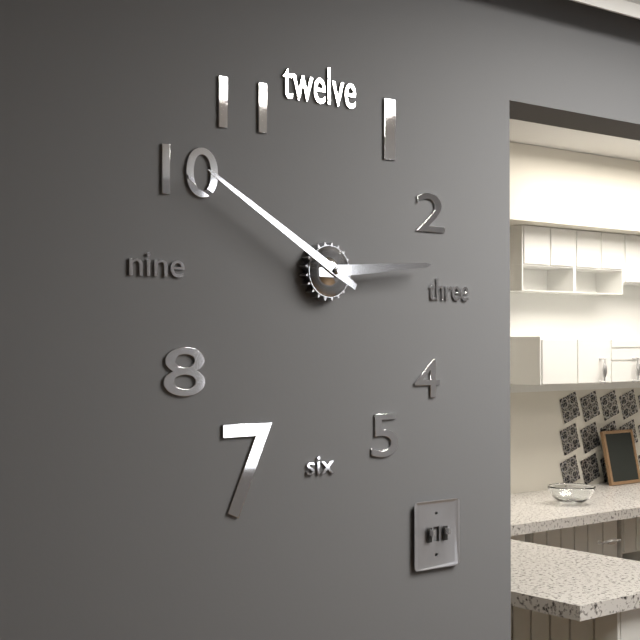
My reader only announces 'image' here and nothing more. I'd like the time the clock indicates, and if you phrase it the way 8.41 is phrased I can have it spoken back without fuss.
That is 2.50
